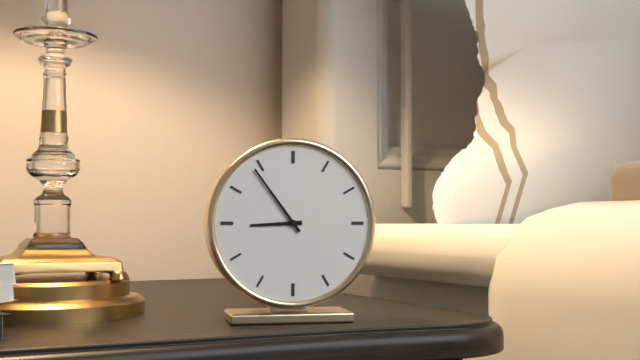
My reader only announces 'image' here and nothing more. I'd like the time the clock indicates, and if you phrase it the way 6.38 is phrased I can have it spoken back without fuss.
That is 8.54
